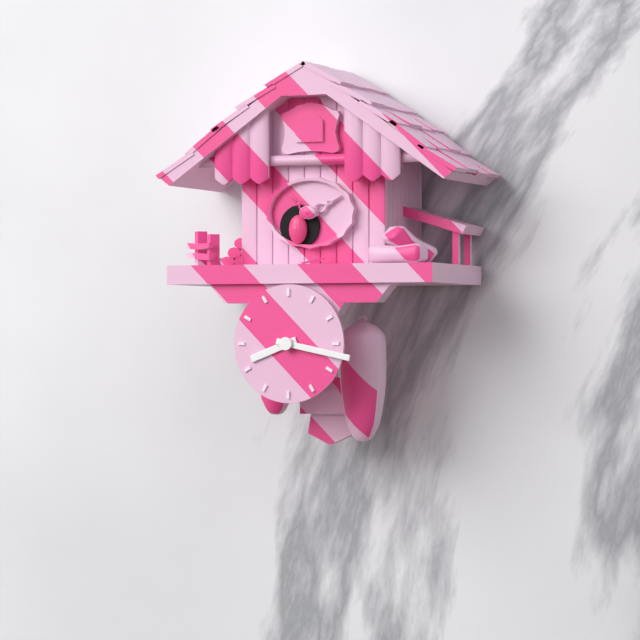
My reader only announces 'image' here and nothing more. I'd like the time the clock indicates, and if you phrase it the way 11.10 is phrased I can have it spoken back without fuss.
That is 8.17
